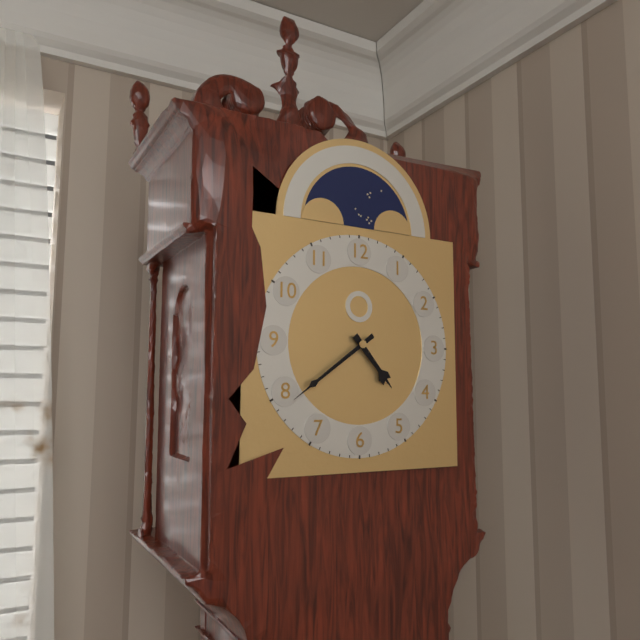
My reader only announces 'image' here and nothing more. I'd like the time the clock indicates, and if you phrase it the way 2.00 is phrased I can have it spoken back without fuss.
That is 4.39
